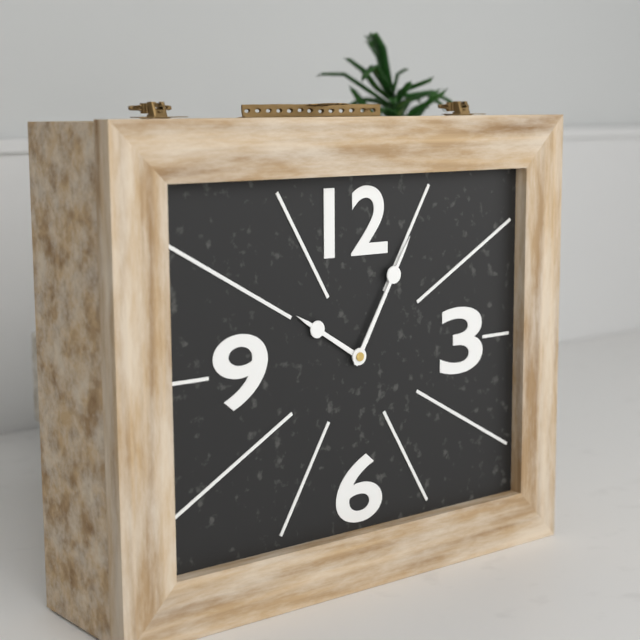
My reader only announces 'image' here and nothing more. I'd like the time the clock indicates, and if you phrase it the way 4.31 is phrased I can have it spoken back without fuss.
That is 10.05
